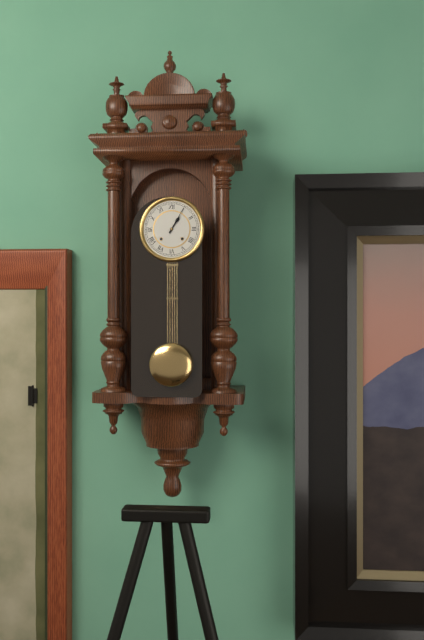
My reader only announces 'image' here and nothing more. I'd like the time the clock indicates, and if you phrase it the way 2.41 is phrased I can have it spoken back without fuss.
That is 1.05
